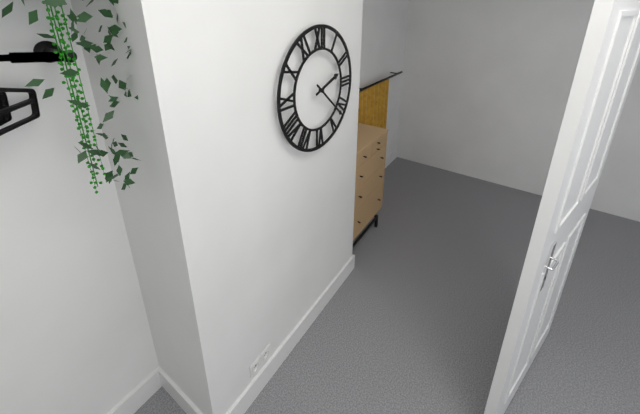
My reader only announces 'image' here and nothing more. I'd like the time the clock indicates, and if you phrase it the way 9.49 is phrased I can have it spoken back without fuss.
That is 2.22
